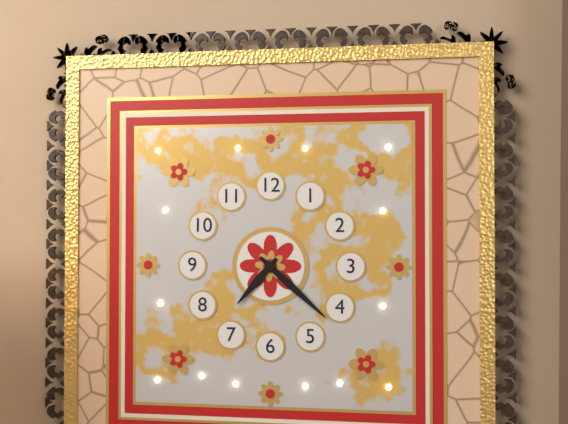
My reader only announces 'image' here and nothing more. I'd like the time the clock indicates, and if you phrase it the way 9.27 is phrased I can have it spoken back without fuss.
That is 7.22
